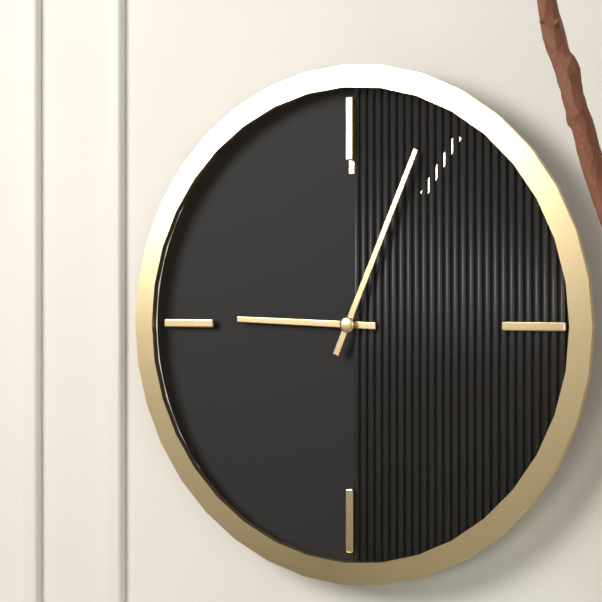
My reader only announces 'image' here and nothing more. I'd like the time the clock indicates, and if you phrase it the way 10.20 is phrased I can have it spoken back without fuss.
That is 9.04
